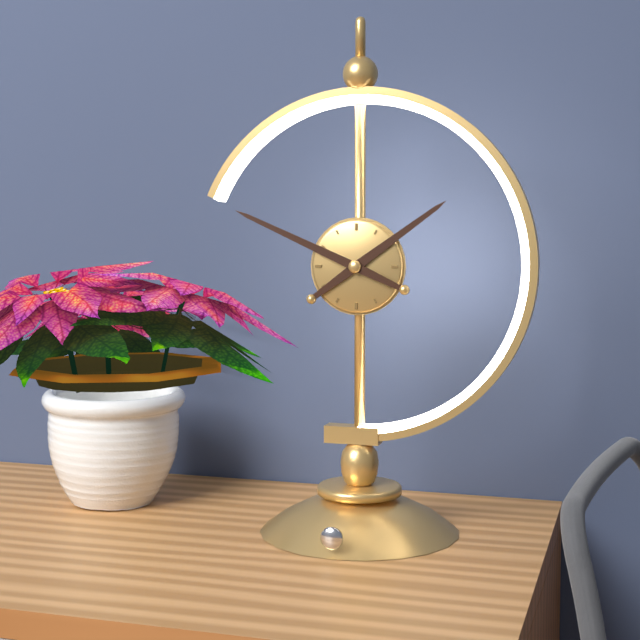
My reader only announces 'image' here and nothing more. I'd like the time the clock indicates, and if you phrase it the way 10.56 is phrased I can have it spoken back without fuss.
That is 1.49
